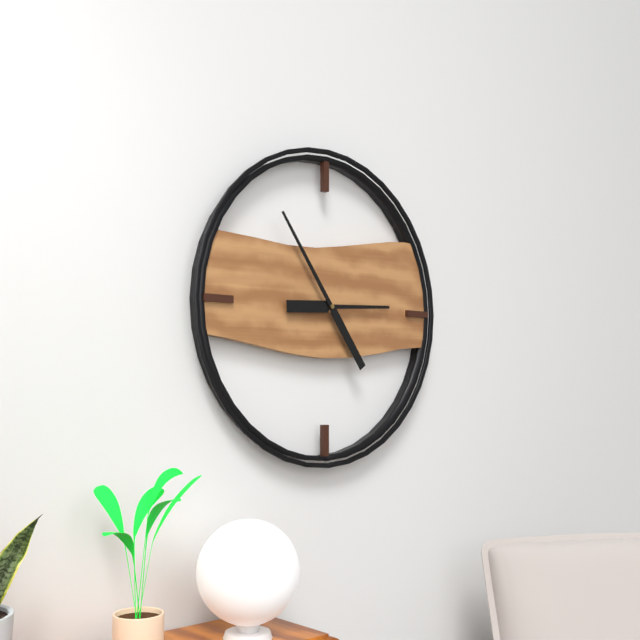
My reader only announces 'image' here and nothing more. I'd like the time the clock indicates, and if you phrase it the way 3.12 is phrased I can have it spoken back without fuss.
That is 2.54
